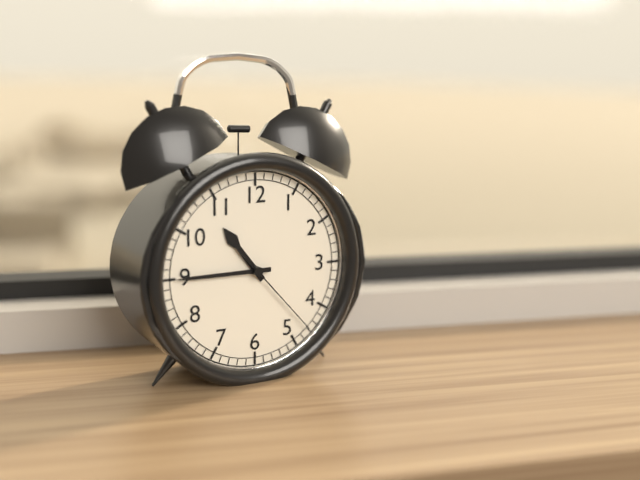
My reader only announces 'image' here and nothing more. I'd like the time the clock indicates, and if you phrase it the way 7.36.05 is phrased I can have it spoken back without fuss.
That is 10.45.23
